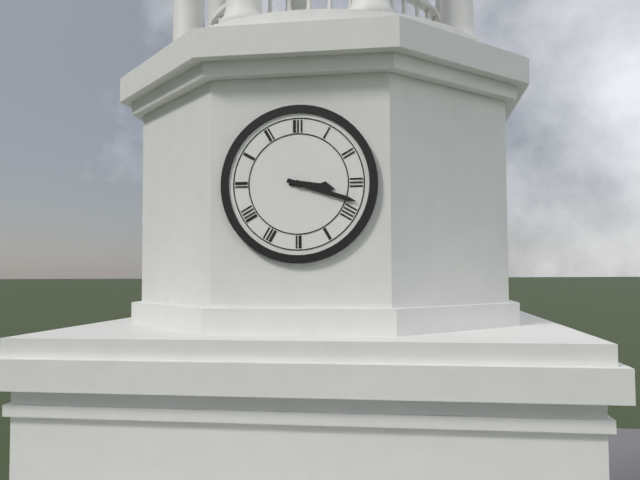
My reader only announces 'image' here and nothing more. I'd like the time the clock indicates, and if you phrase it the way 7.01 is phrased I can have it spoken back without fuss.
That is 3.18
